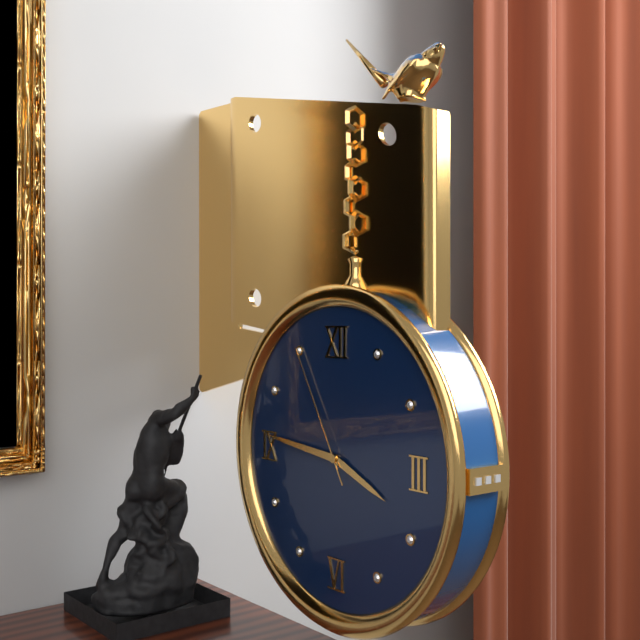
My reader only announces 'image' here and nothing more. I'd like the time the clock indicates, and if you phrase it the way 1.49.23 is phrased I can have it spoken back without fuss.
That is 3.46.55
